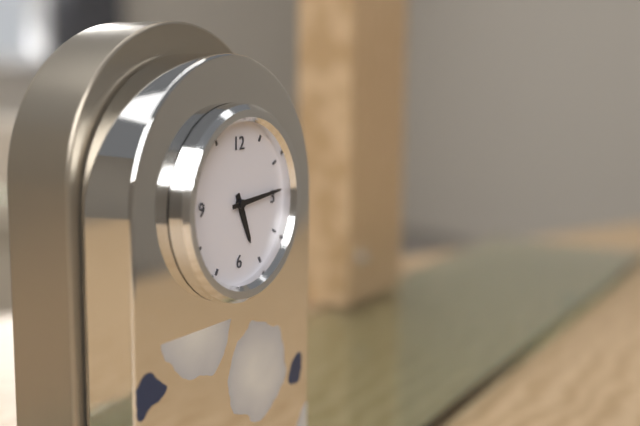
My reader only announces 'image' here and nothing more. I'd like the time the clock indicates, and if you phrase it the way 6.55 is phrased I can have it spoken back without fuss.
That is 5.14
